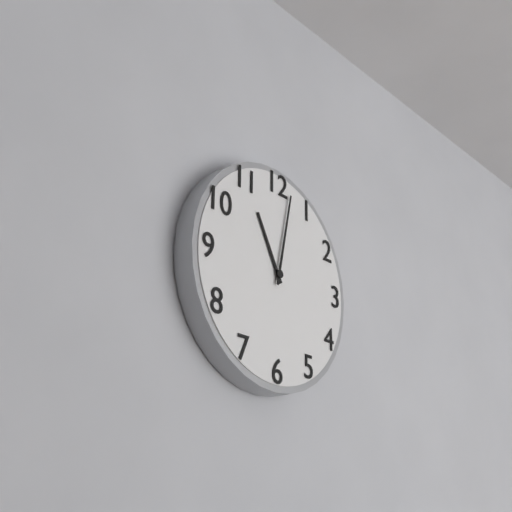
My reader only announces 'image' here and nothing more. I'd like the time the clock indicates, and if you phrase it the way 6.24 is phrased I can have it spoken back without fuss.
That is 11.02
